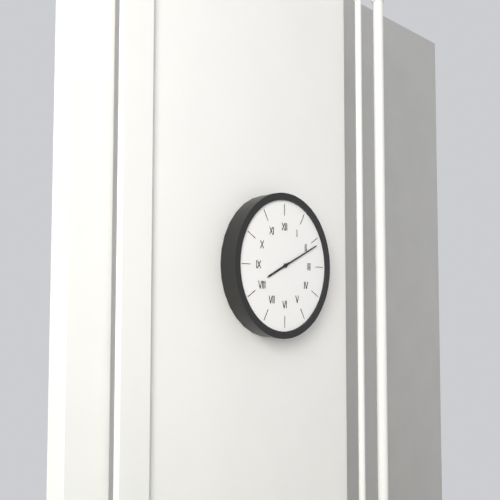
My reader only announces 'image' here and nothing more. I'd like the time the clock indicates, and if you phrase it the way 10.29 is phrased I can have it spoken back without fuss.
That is 8.11
